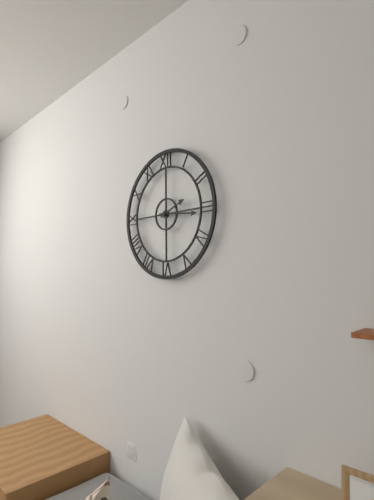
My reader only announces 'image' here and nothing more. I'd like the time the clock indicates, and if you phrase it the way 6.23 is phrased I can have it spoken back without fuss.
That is 2.16
